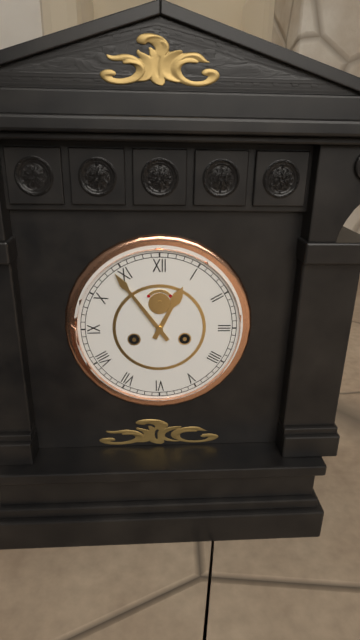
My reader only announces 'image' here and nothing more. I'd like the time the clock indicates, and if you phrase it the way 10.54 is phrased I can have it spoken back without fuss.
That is 12.54
